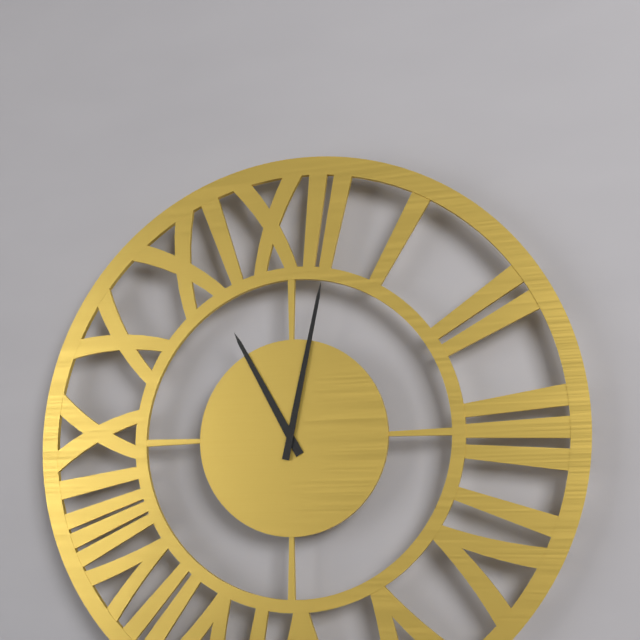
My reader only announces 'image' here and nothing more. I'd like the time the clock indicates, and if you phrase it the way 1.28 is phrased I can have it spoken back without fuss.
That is 11.02
